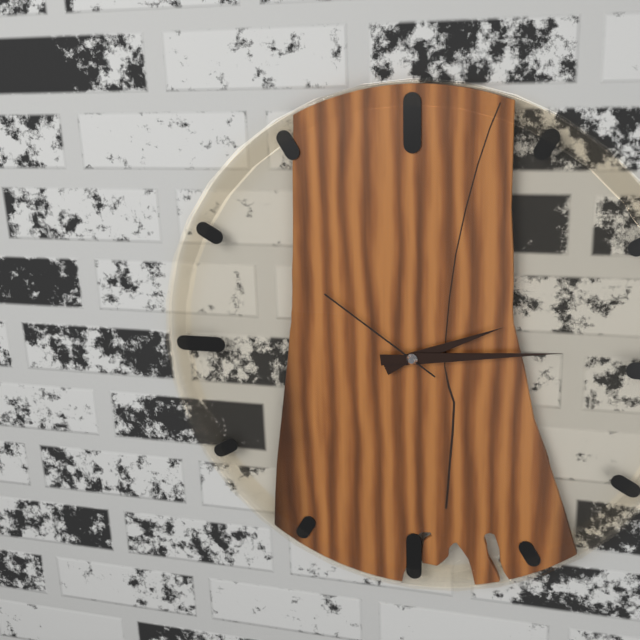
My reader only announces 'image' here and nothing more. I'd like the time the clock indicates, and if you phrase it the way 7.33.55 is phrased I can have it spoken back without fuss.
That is 2.14.51
